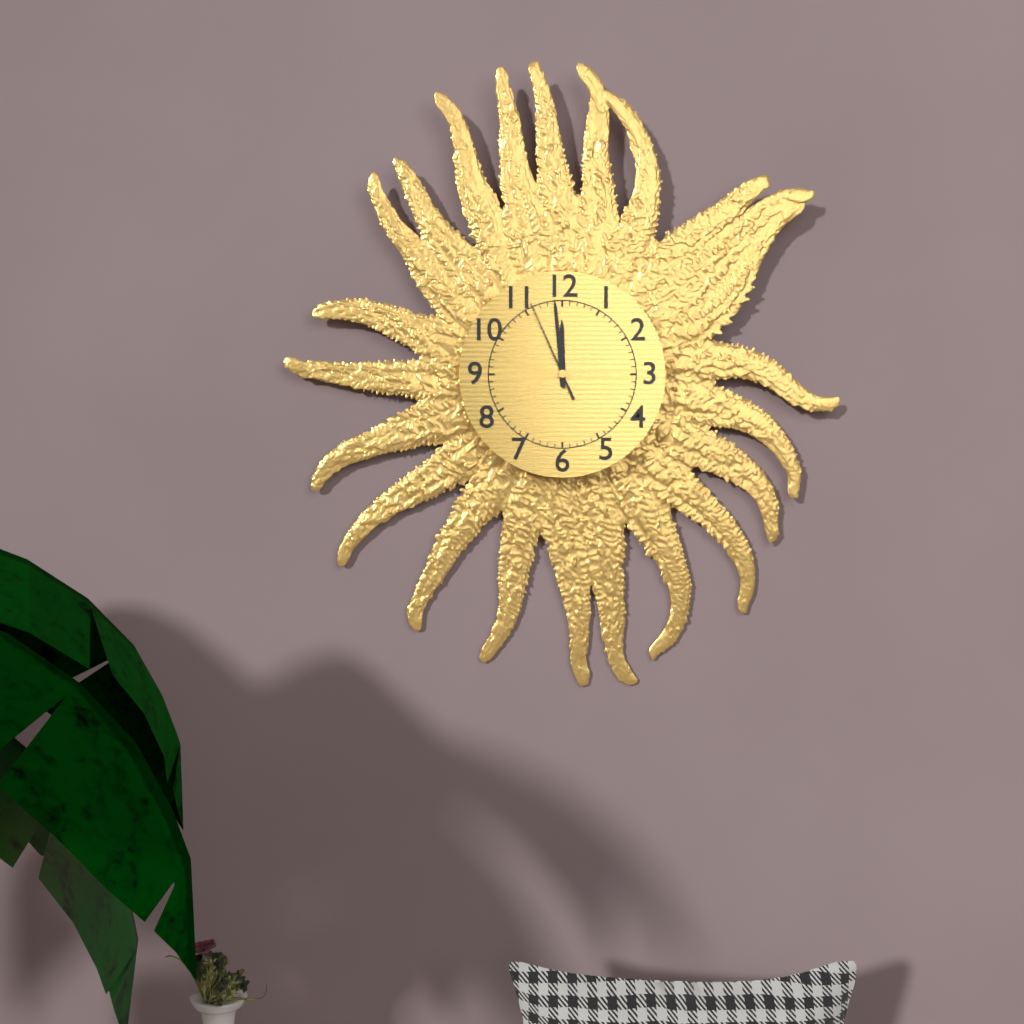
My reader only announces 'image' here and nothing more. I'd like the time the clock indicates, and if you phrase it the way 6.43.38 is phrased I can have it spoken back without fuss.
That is 11.59.56
